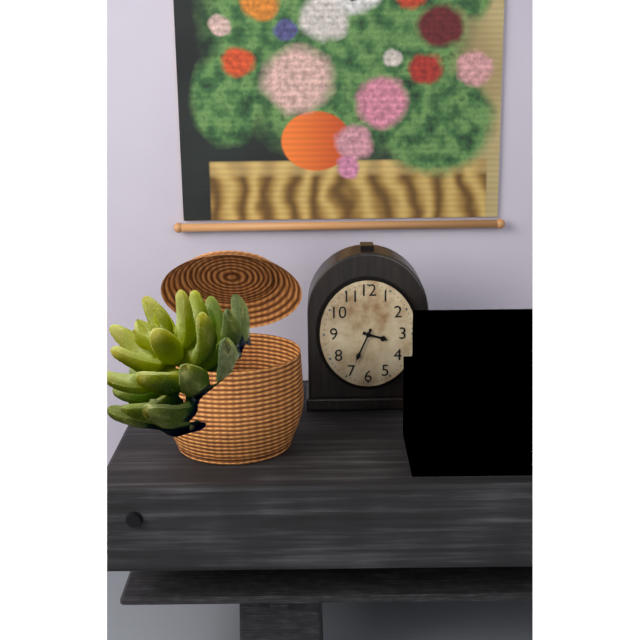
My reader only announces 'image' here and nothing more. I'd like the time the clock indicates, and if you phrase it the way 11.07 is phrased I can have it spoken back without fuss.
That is 3.34
